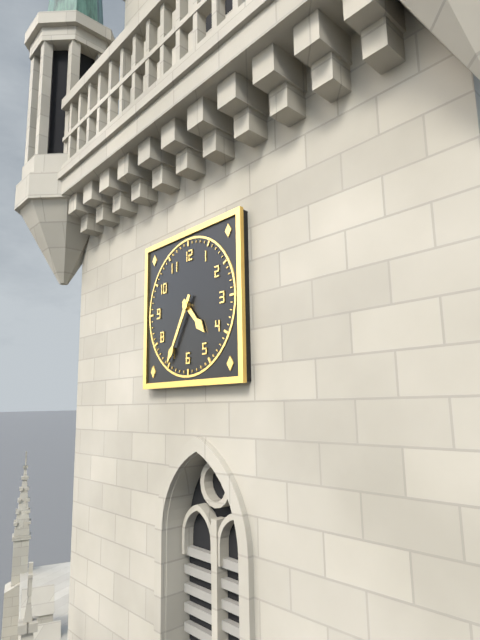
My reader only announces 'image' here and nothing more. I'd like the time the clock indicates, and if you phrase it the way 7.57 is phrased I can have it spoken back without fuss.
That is 4.35
